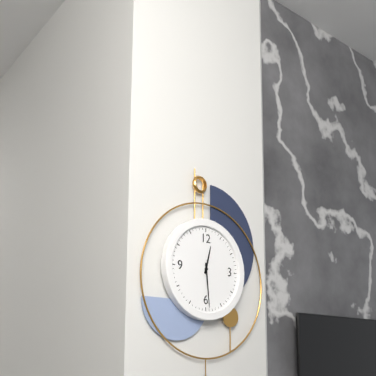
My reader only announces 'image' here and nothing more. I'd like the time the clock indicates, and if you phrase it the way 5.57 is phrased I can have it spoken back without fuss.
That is 12.29
